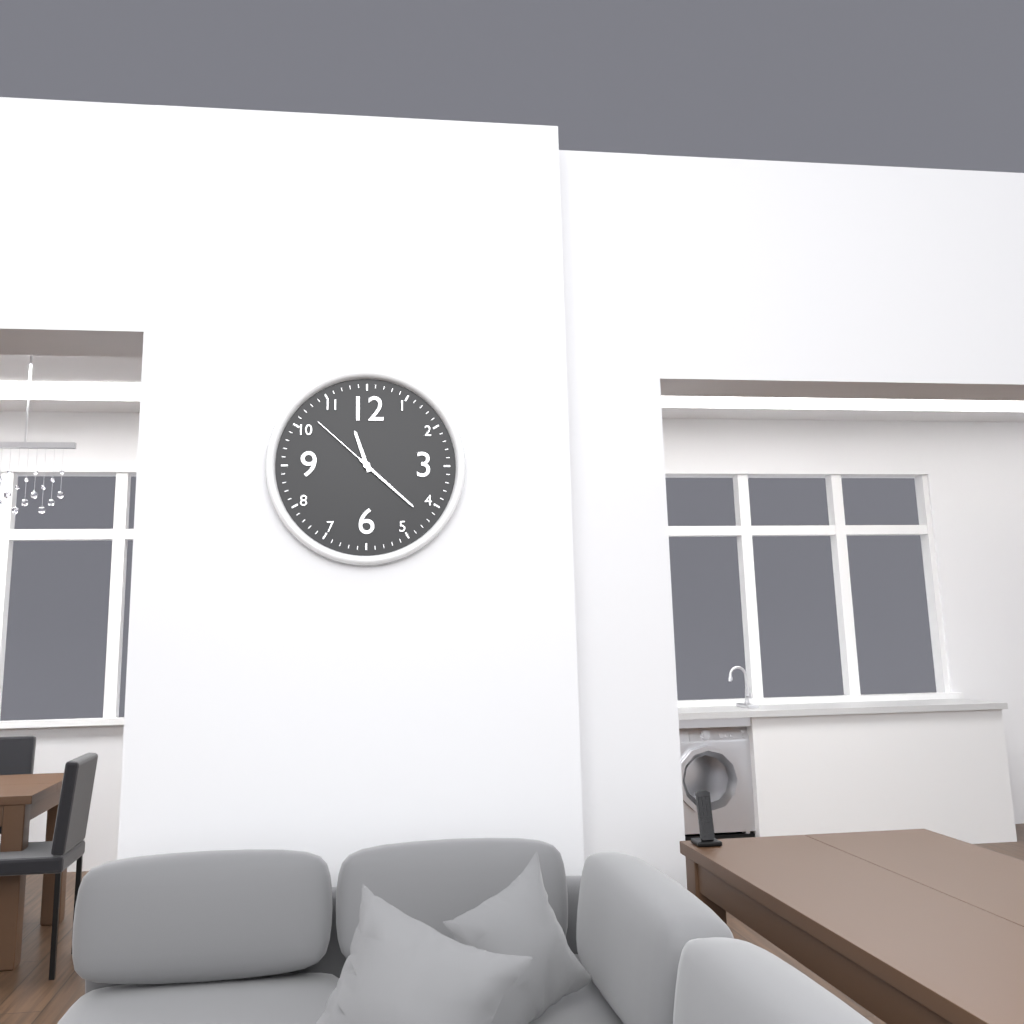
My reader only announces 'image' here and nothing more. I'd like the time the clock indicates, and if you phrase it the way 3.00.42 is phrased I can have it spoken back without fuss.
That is 11.22.52
